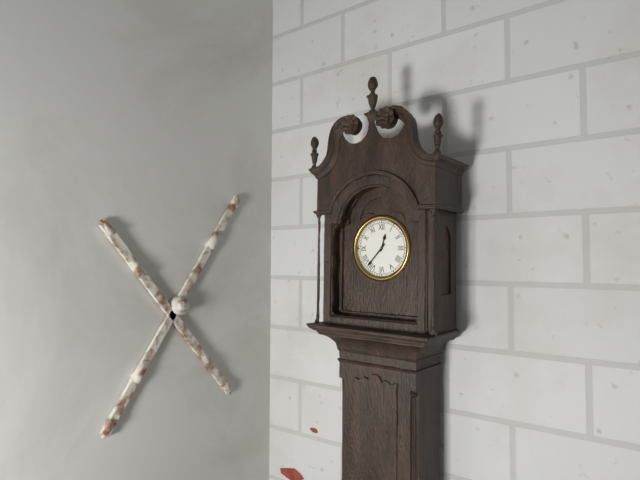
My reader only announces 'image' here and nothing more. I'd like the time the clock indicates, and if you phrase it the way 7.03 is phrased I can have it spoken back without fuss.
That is 12.37
